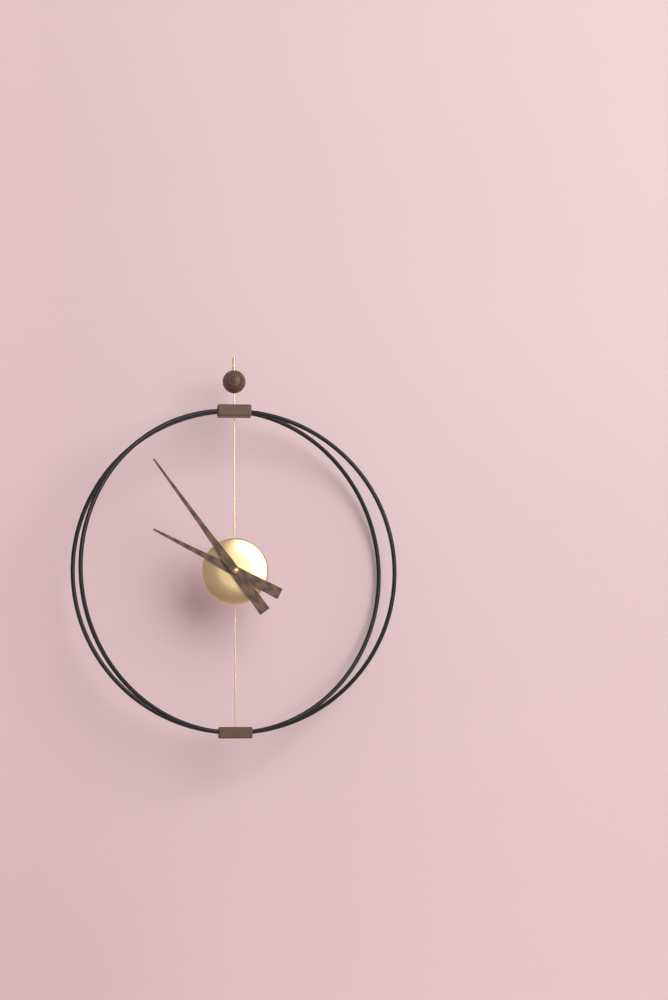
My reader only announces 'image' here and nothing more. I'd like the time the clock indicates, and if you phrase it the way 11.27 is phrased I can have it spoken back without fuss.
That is 9.54
